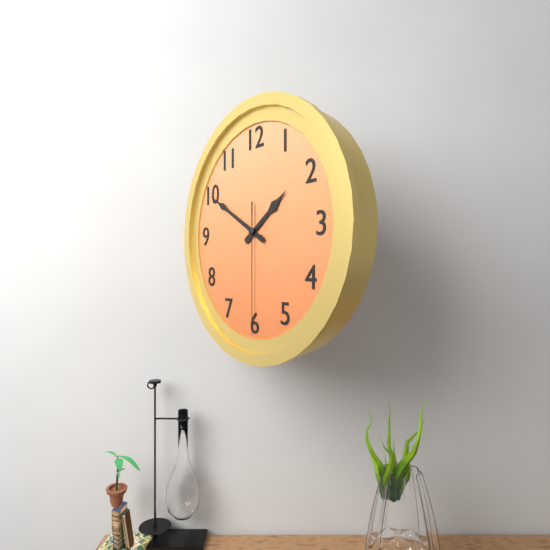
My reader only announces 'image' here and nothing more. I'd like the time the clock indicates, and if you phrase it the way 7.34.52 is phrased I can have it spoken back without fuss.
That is 1.50.30
